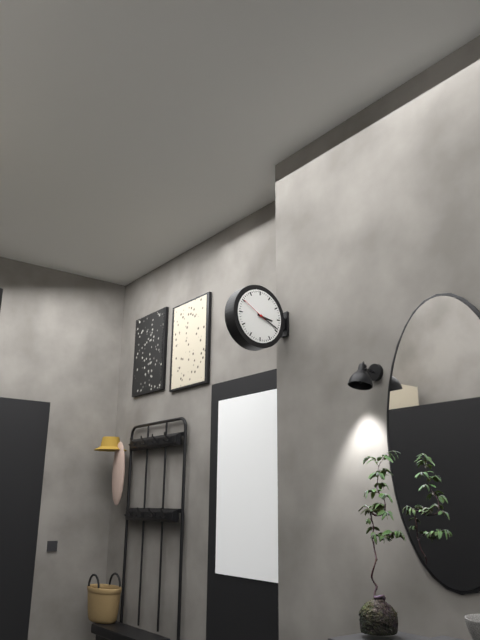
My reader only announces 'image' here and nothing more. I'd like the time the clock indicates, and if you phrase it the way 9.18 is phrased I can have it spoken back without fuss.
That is 3.19
